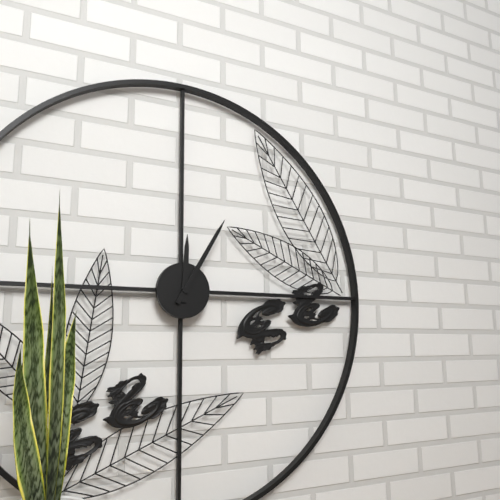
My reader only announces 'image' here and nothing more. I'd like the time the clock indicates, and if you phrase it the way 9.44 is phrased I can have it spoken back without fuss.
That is 12.05
